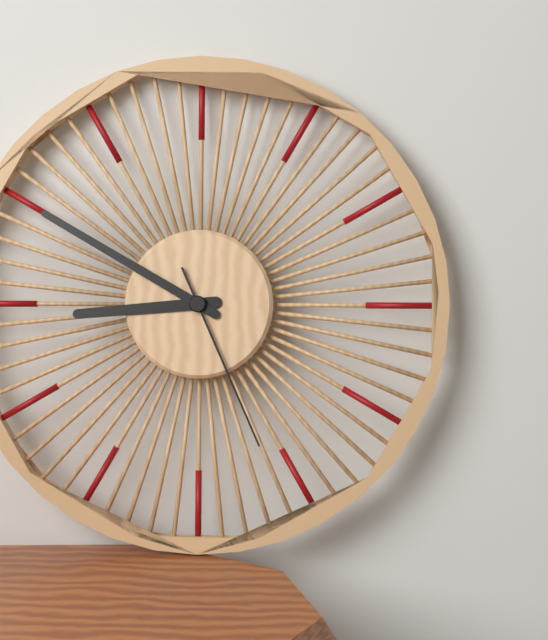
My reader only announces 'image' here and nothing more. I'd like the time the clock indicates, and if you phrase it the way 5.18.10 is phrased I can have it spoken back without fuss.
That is 8.50.26
